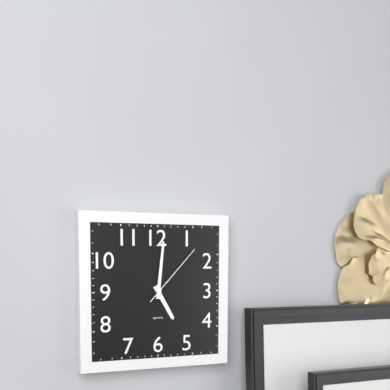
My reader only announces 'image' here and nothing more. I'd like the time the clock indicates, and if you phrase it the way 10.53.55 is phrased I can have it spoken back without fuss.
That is 5.01.07
